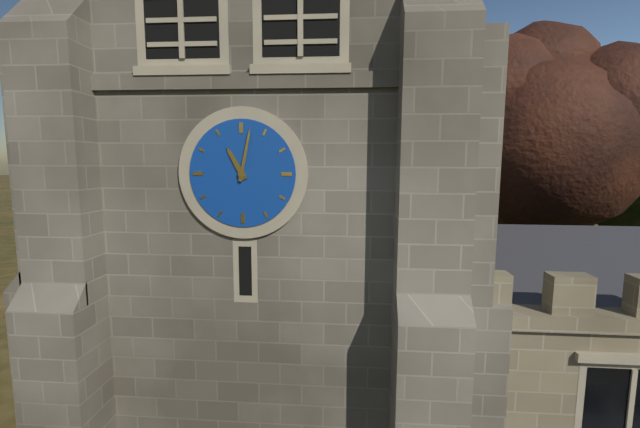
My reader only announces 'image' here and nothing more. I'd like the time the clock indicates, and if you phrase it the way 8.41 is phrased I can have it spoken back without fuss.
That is 11.02
